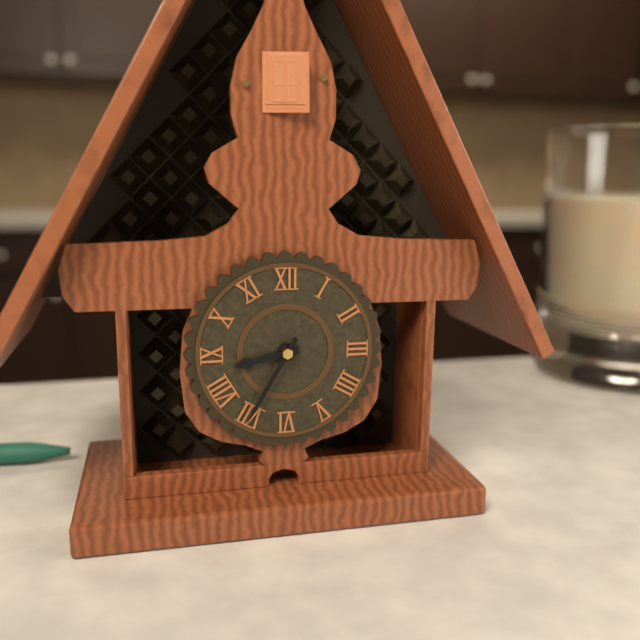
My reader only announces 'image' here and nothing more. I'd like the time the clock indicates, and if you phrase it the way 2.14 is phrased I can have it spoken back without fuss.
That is 8.35
